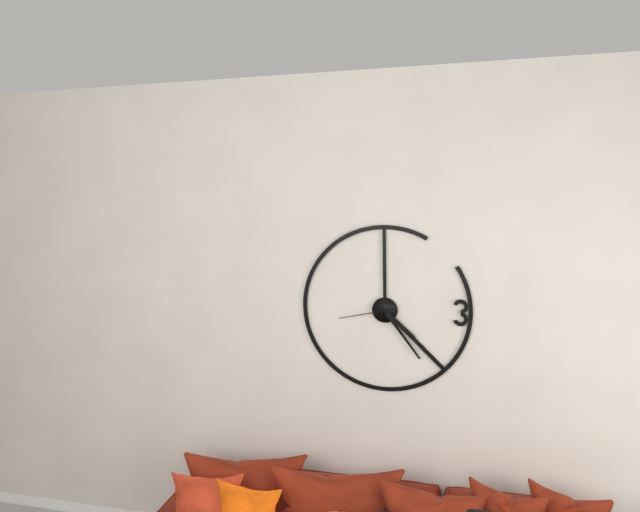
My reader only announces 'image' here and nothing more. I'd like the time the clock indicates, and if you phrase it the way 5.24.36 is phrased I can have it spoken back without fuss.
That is 4.24.43
